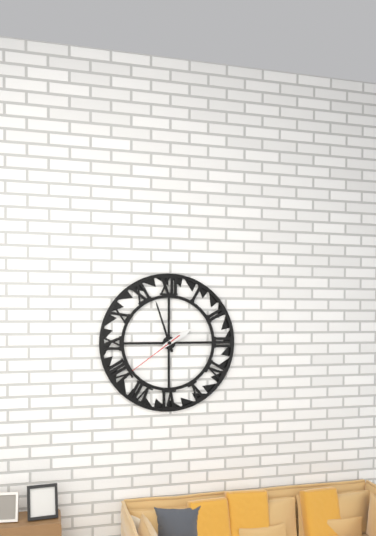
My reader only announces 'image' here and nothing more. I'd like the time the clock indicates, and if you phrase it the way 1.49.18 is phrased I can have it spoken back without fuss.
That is 1.57.39
